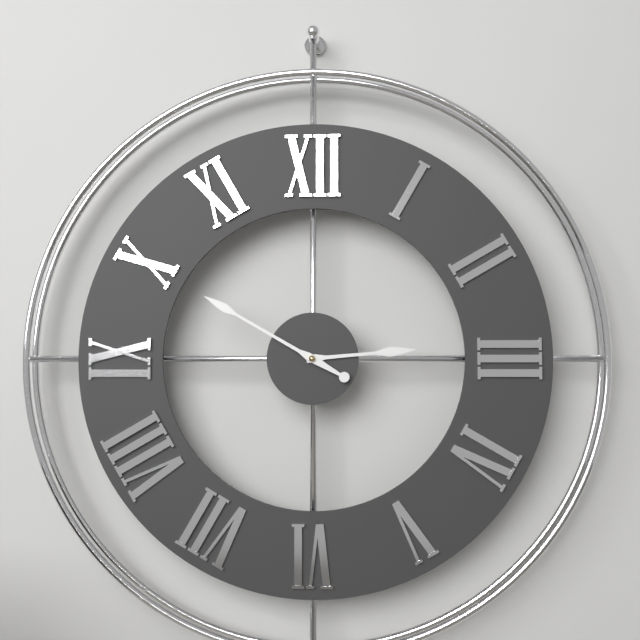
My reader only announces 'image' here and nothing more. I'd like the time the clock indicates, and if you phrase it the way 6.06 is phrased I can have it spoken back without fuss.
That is 2.50
